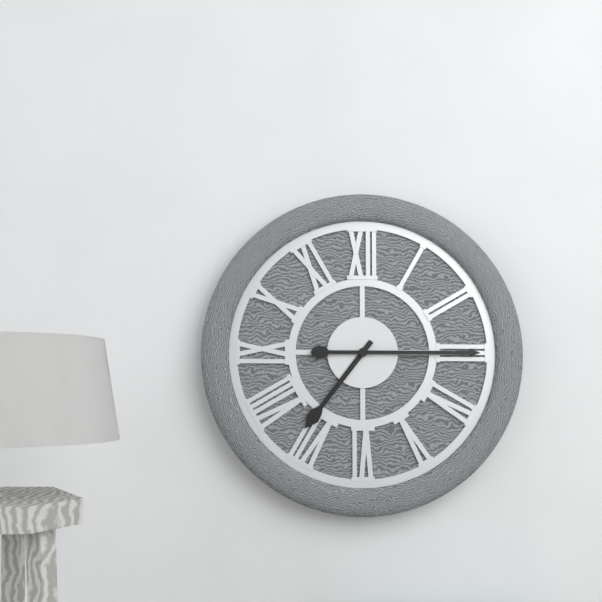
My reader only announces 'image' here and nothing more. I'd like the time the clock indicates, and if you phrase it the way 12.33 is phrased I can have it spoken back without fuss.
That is 7.15
